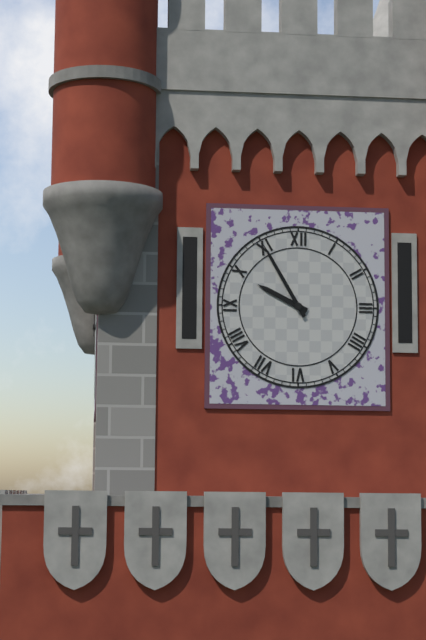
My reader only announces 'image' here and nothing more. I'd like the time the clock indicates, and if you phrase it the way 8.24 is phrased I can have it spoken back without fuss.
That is 9.55
